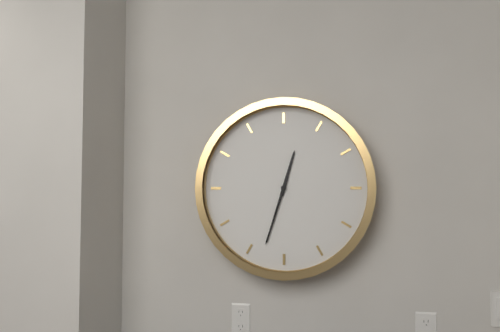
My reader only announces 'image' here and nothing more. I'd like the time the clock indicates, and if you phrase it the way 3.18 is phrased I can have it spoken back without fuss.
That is 12.33
